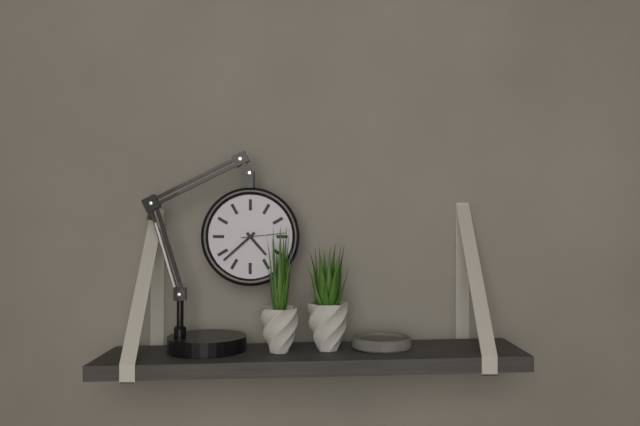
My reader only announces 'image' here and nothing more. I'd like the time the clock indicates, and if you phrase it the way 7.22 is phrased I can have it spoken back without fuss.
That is 4.38
